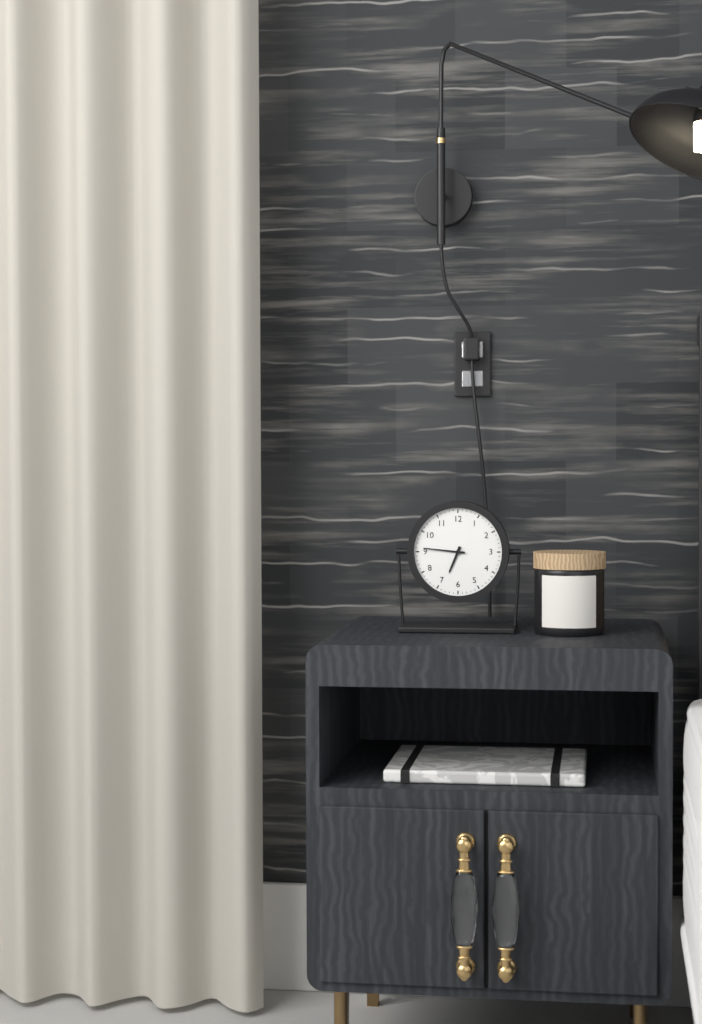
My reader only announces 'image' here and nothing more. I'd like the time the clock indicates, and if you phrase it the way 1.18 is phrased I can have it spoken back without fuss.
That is 6.46
